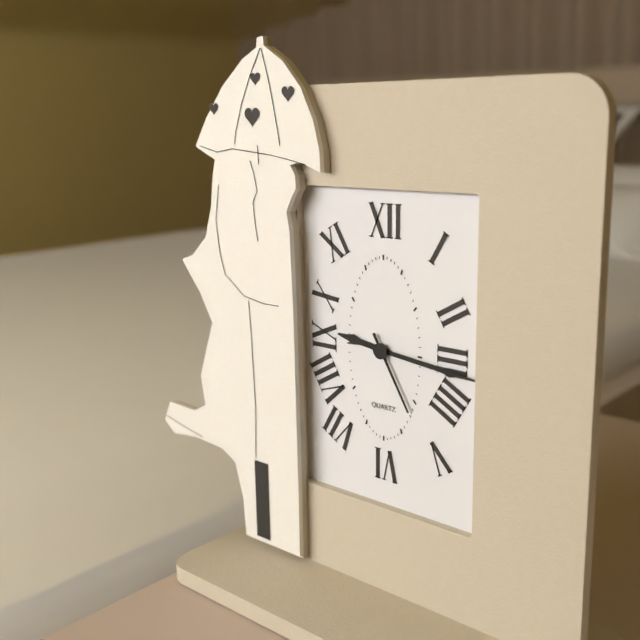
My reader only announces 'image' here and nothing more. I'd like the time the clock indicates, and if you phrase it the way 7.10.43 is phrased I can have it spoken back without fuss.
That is 9.16.25
